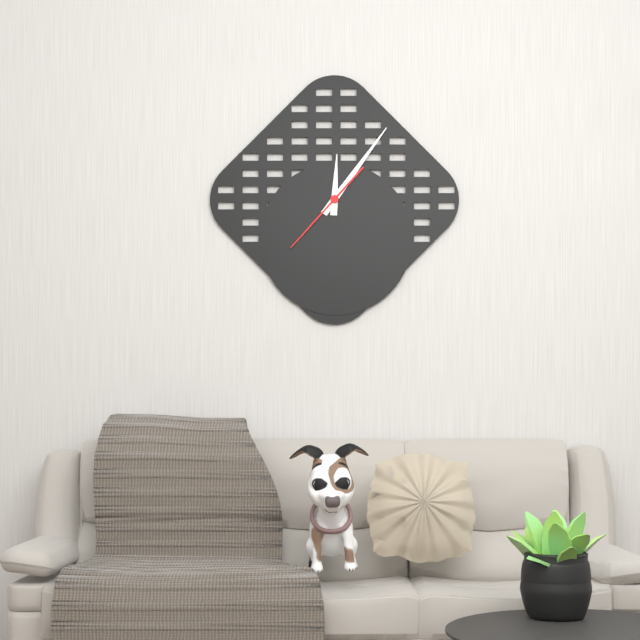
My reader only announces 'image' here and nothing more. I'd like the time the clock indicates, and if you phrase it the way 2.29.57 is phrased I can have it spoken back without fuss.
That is 12.06.37
